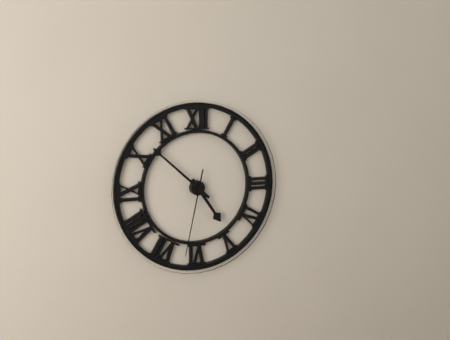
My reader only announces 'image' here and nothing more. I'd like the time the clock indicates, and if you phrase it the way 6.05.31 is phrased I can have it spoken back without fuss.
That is 4.52.32
